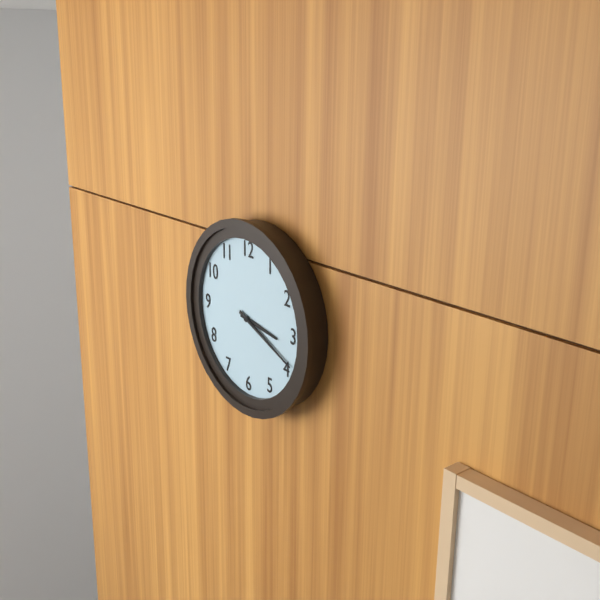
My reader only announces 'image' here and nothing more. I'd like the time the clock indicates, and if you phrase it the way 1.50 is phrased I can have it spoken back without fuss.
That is 3.19
